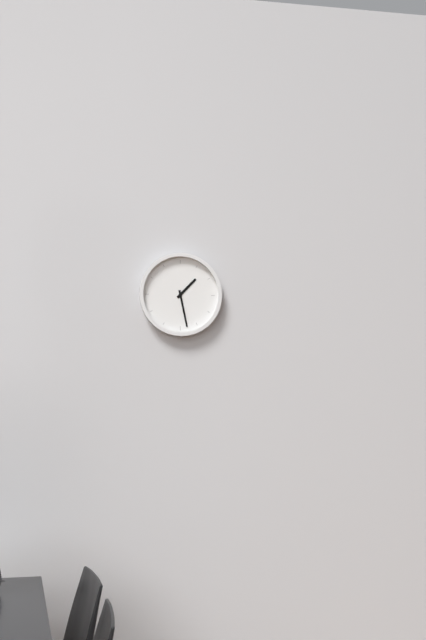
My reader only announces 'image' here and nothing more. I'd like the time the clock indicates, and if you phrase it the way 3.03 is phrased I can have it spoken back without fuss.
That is 1.28
